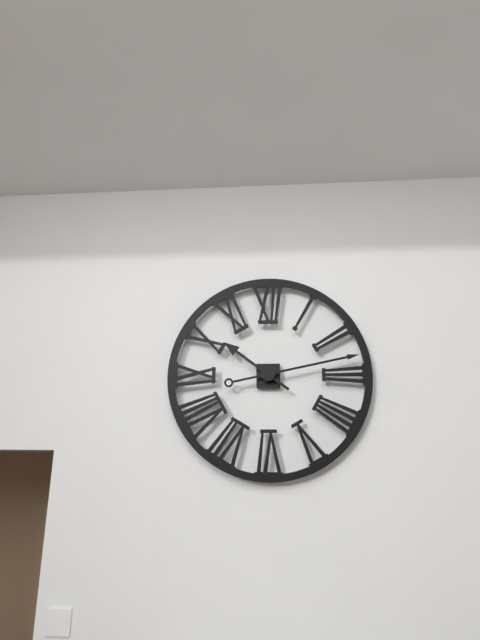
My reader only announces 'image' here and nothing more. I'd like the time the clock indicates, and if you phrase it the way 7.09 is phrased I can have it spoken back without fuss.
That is 10.13
